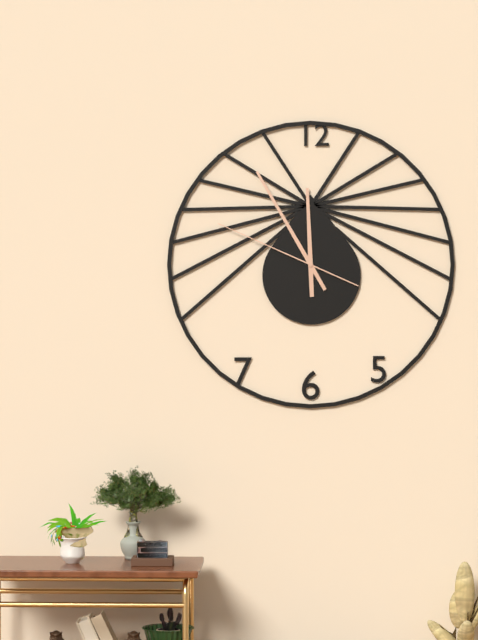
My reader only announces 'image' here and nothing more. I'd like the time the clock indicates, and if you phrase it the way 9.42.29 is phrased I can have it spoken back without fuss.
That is 11.55.49
